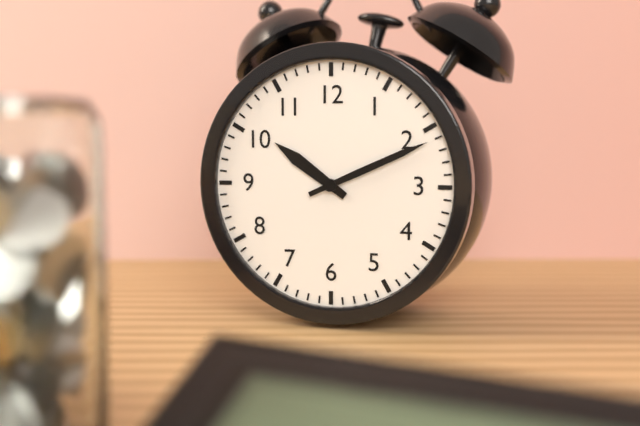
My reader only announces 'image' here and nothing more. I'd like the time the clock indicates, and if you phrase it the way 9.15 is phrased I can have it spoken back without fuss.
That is 10.11
